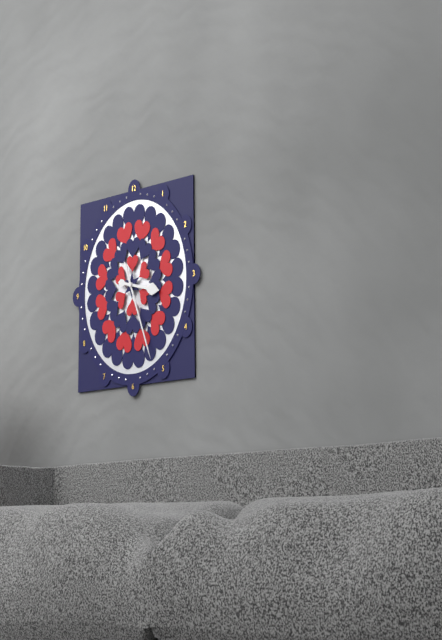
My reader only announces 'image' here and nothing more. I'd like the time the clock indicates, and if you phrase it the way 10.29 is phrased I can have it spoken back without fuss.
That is 3.26
